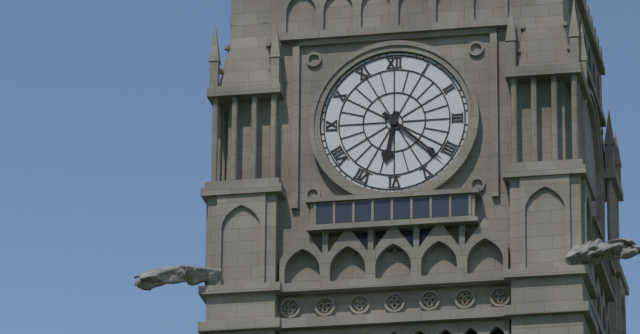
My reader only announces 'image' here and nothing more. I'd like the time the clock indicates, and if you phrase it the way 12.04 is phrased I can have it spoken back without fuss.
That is 6.22
